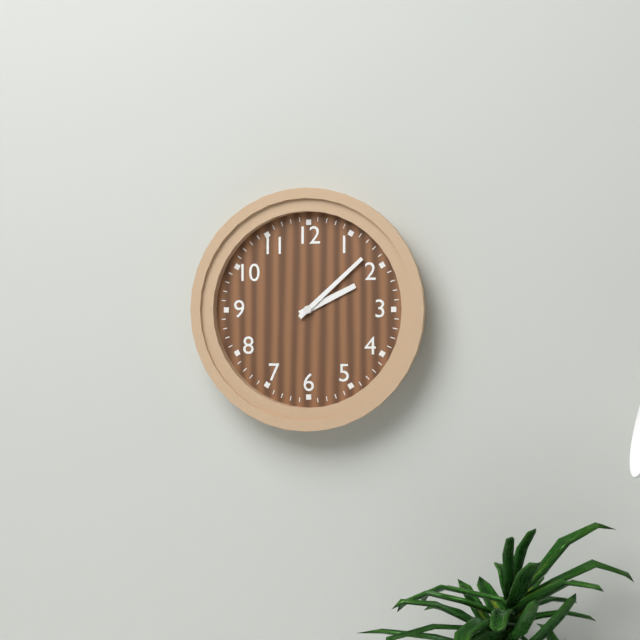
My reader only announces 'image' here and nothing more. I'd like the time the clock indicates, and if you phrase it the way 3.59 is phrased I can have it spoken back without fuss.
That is 2.08
